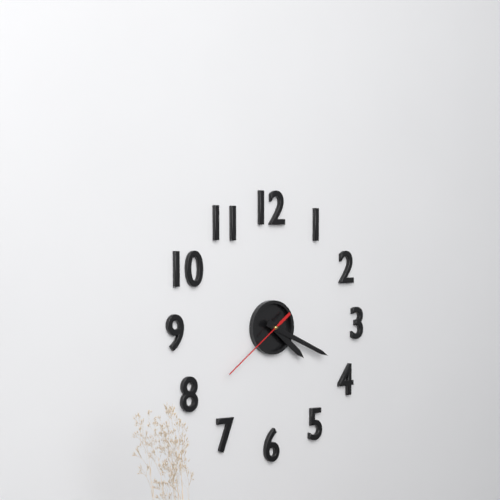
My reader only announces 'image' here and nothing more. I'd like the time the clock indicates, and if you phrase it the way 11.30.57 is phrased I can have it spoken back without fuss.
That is 4.19.39
